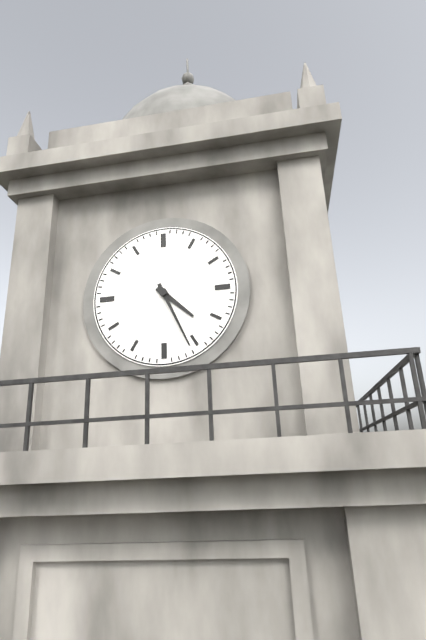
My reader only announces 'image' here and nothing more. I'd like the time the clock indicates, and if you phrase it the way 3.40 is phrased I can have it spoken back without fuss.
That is 4.26
